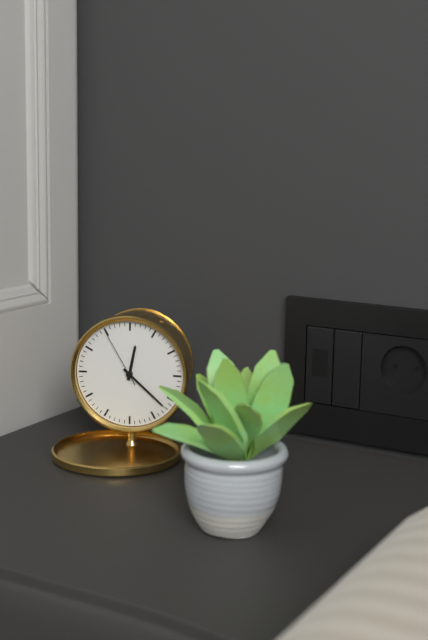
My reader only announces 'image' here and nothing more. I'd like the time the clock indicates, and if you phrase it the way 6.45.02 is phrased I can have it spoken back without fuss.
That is 12.22.55
